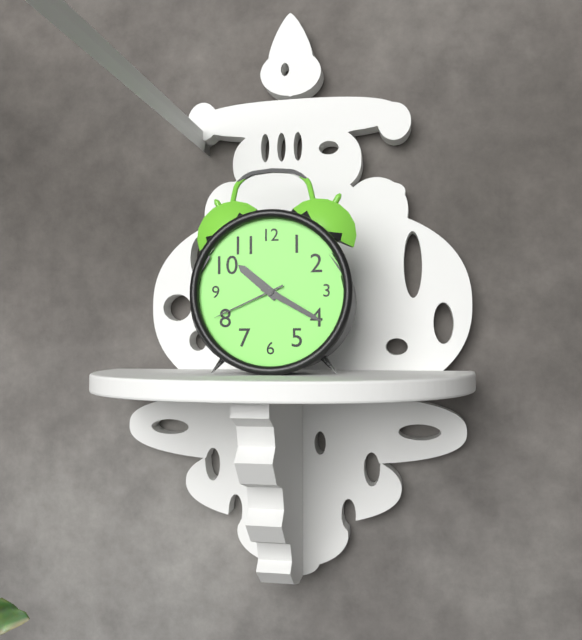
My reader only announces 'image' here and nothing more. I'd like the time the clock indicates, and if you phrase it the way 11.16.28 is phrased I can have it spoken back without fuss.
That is 10.20.41
